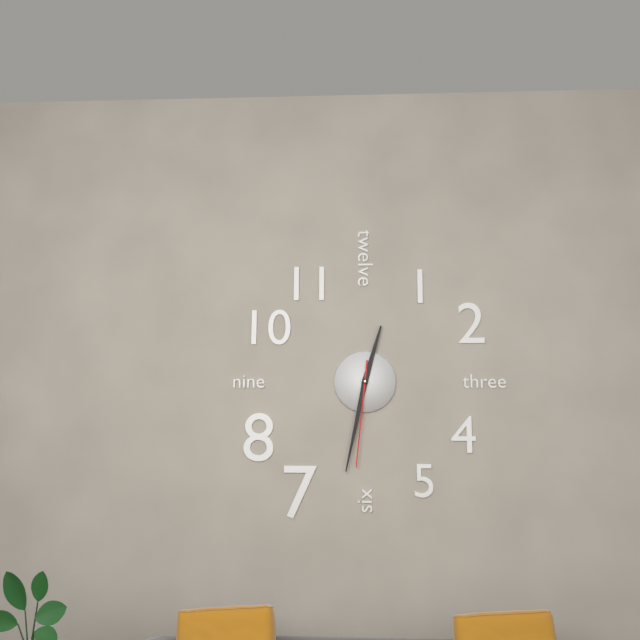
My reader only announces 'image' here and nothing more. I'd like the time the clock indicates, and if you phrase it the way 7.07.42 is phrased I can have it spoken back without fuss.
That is 12.32.31
